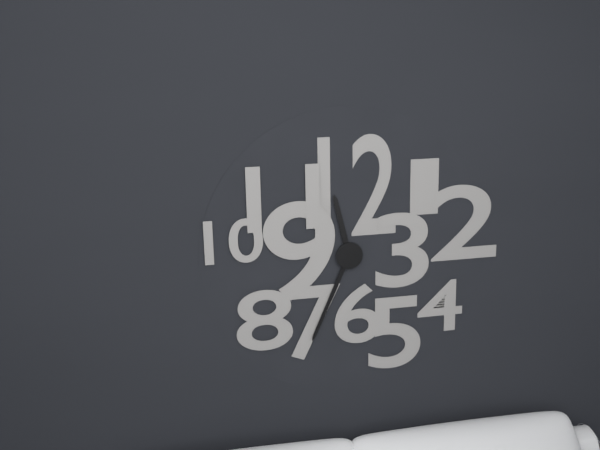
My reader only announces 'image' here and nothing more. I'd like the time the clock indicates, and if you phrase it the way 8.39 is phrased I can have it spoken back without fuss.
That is 11.34
